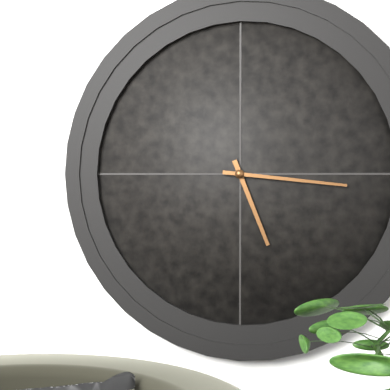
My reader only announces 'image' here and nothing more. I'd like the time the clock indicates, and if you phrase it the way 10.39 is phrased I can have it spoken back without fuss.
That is 5.16
